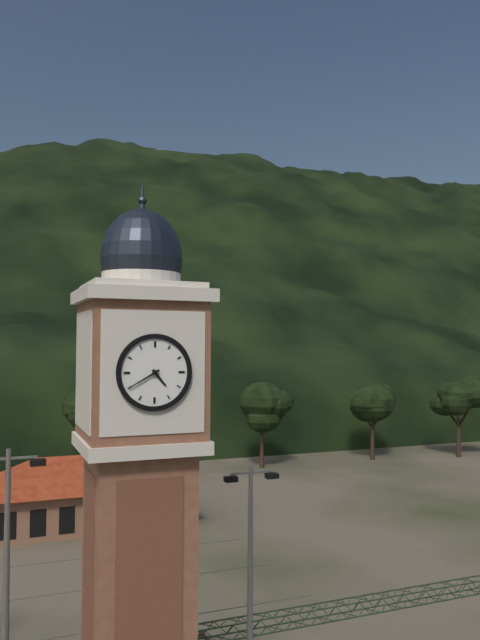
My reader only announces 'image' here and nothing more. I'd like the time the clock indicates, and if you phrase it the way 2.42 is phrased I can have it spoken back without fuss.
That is 4.40
